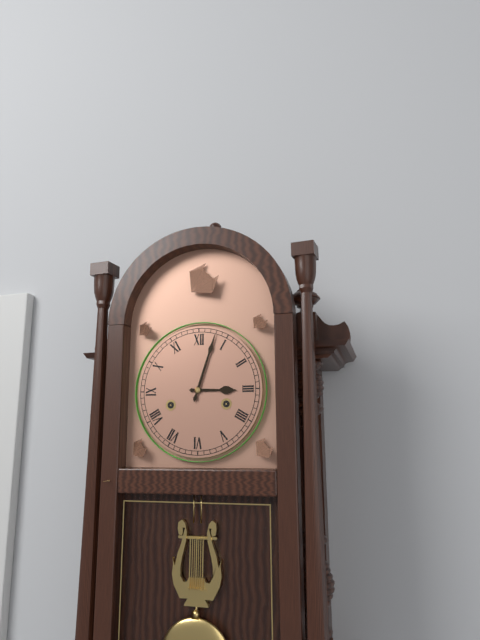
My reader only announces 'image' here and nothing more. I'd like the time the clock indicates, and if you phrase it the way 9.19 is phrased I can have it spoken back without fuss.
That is 3.03
